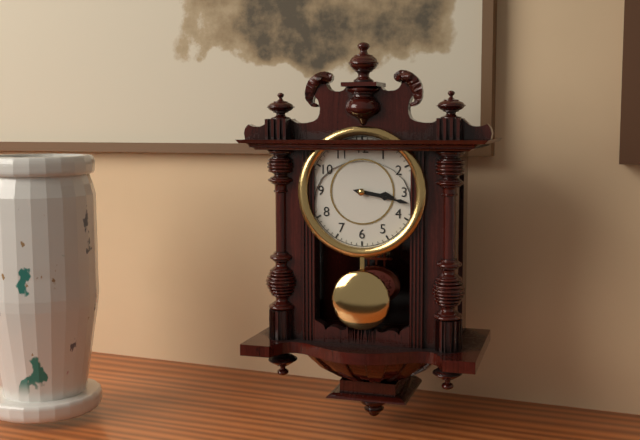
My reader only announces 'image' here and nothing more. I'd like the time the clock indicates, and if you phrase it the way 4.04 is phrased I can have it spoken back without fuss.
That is 3.17
